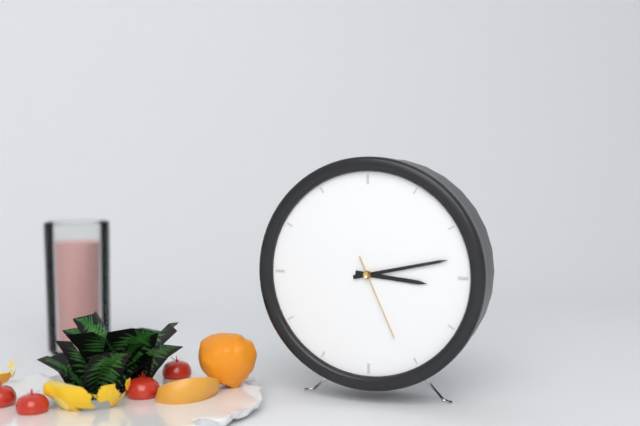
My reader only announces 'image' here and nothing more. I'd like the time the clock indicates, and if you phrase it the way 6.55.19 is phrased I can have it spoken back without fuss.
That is 3.13.26
